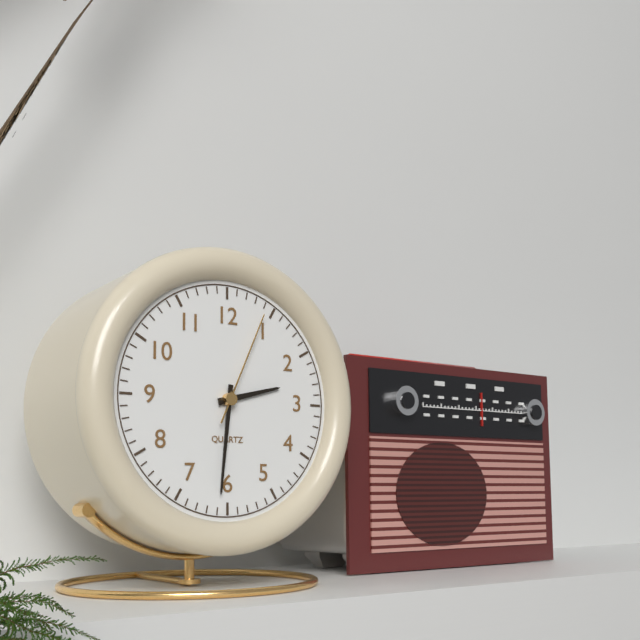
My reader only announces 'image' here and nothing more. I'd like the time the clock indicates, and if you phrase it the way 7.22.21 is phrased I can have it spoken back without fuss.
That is 2.31.04
